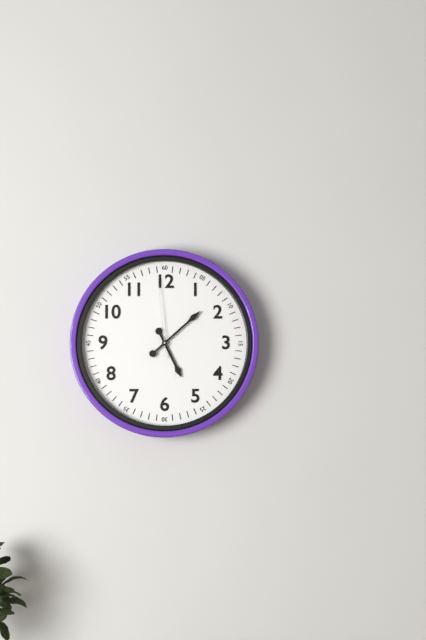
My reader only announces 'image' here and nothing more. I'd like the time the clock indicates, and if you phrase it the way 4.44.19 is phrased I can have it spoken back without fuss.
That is 5.08.59
